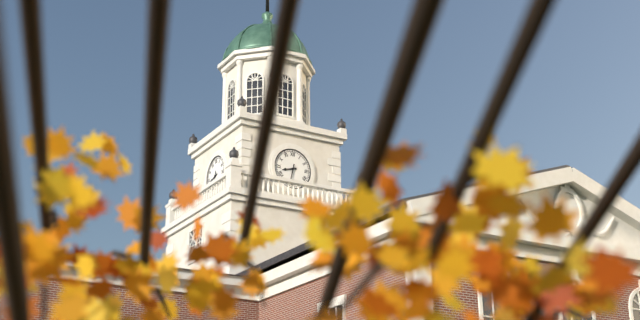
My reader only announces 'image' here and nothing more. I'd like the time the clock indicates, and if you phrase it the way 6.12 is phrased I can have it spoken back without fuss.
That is 8.32
